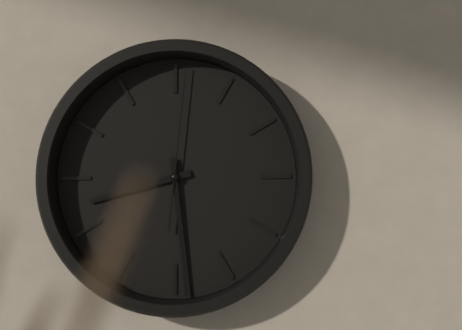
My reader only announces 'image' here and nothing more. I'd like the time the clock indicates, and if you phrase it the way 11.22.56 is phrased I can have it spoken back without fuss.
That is 8.29.01
